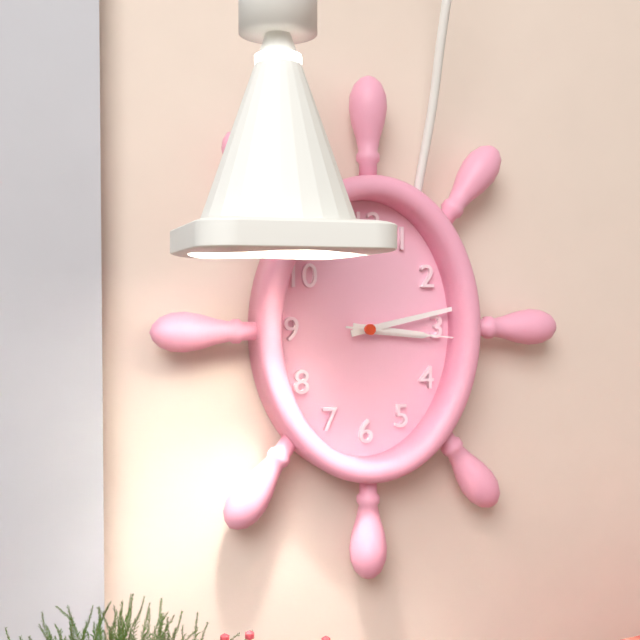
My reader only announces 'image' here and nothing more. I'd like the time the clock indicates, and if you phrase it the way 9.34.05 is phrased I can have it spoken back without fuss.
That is 3.13.16
